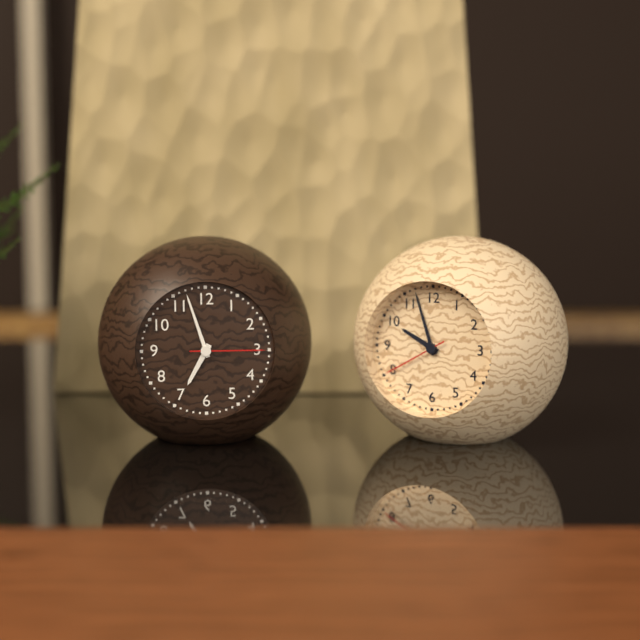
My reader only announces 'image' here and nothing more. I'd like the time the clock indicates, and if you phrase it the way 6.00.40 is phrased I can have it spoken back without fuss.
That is 6.57.15
